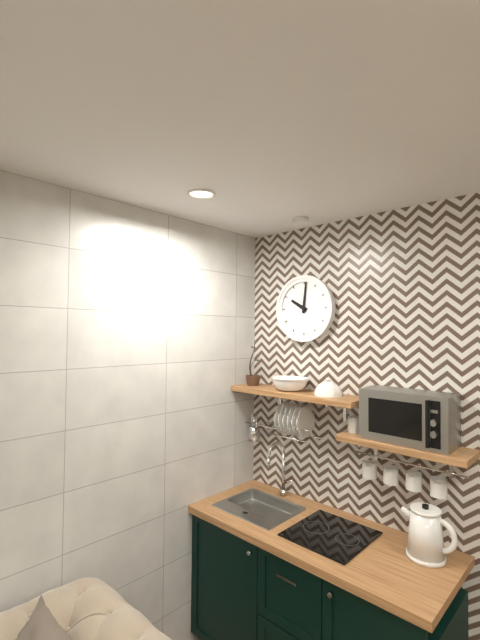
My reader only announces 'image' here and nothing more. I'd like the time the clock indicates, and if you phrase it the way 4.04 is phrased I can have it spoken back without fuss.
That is 10.01
